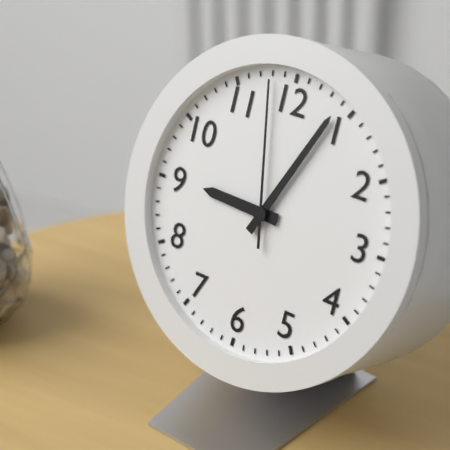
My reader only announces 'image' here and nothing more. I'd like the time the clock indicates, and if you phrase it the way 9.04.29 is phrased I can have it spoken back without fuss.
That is 9.04.58
